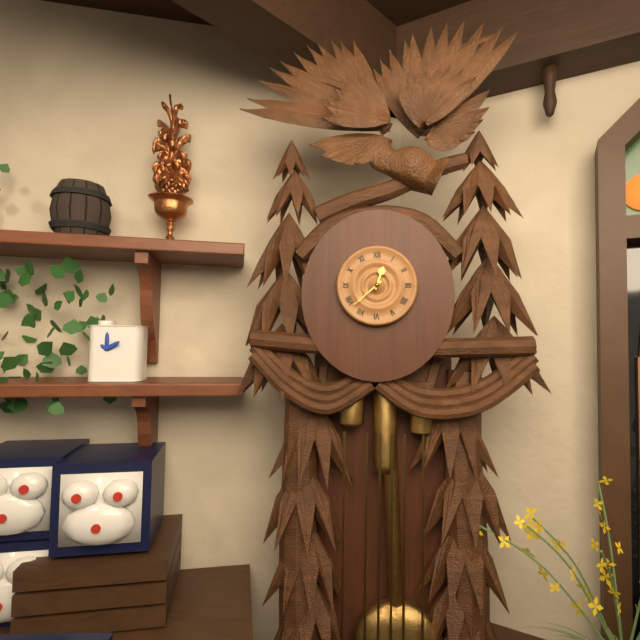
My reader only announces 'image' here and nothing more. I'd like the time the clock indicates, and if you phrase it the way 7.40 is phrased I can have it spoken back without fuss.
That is 12.38
